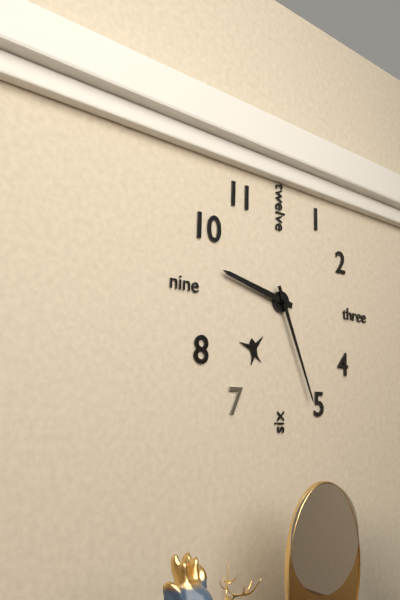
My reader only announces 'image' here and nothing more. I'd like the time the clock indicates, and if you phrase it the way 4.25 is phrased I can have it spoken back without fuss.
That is 9.26
